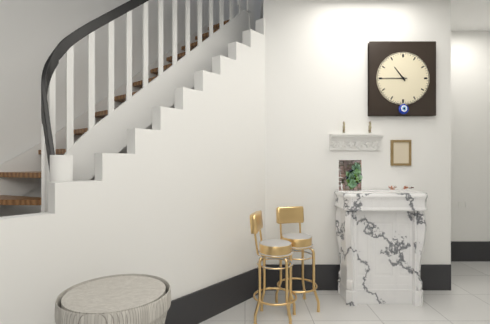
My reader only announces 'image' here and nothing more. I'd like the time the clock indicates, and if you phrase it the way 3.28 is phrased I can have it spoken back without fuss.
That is 10.45
